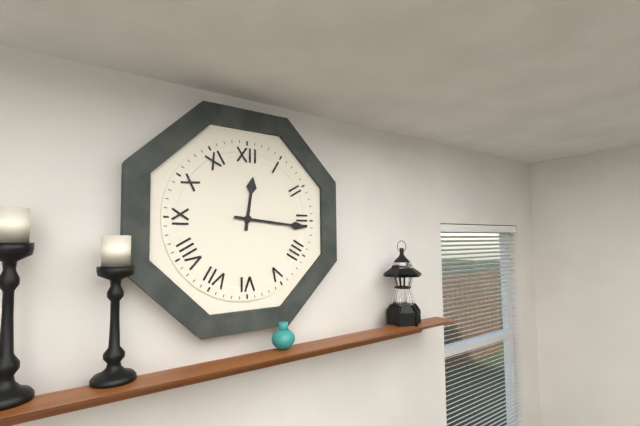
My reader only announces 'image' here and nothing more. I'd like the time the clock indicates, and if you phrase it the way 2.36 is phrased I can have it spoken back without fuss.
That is 12.16
